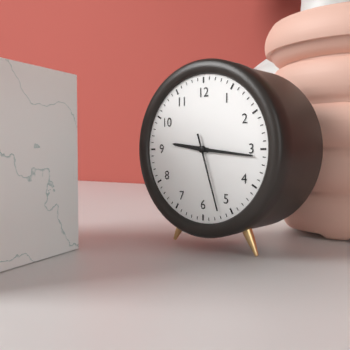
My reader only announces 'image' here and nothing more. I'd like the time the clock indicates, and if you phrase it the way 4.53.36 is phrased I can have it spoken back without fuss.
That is 9.16.27
